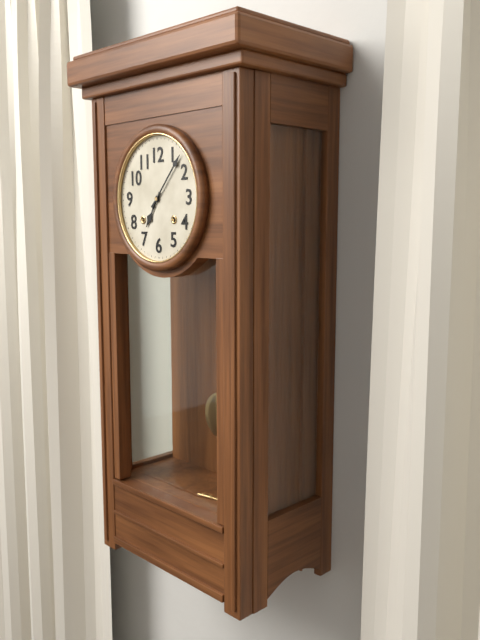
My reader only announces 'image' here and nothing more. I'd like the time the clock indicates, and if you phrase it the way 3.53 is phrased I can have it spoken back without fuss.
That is 7.07
